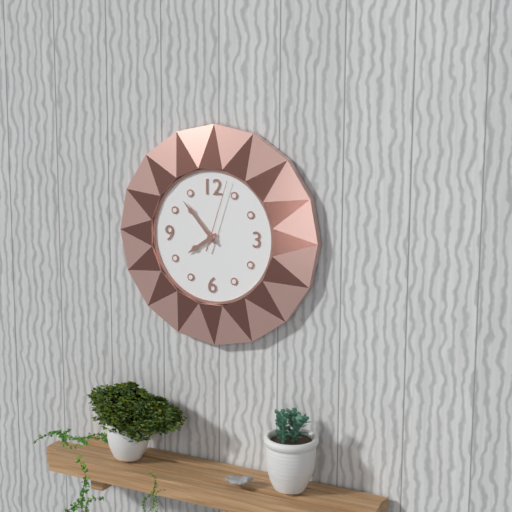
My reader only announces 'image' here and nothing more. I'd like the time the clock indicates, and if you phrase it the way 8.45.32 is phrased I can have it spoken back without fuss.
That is 7.53.03
